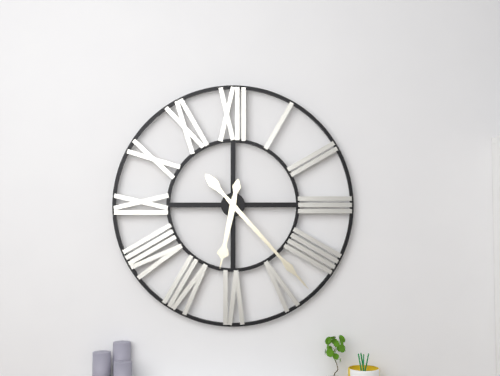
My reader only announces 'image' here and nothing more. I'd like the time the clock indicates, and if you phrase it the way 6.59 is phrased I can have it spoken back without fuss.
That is 6.23
